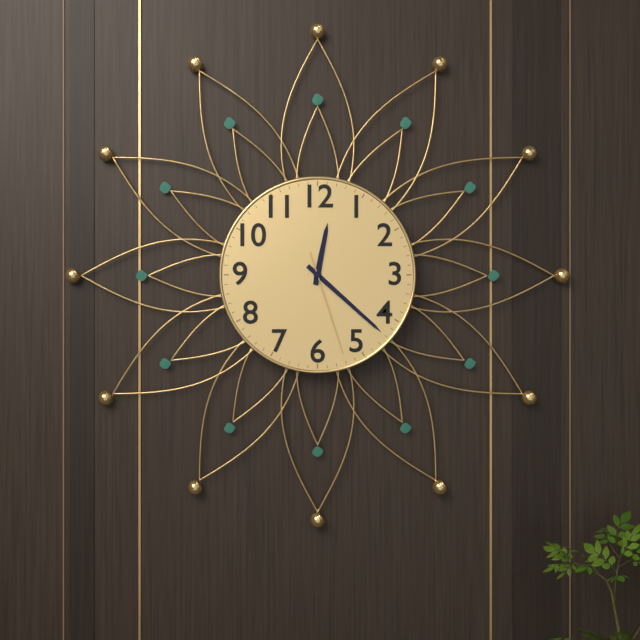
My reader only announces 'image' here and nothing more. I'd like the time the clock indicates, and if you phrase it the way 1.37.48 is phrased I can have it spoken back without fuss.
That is 12.22.27
